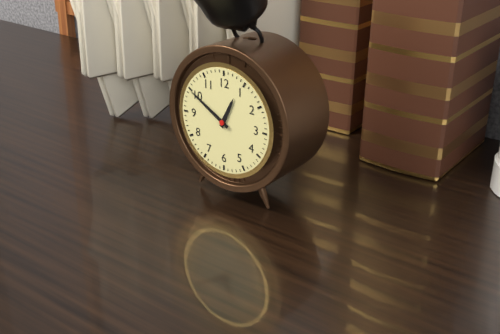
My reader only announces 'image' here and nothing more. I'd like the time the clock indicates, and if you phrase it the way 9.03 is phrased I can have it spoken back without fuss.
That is 12.50
